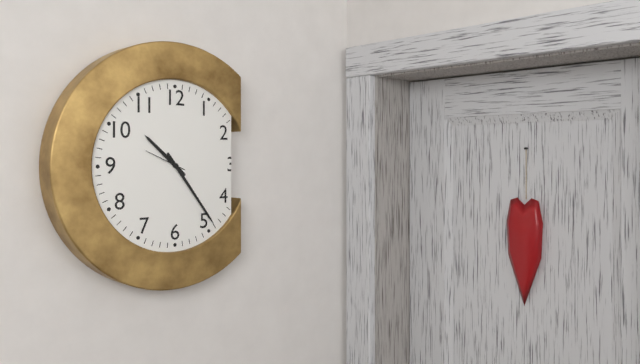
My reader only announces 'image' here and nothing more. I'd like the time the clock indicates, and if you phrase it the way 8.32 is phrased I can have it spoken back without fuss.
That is 10.24
